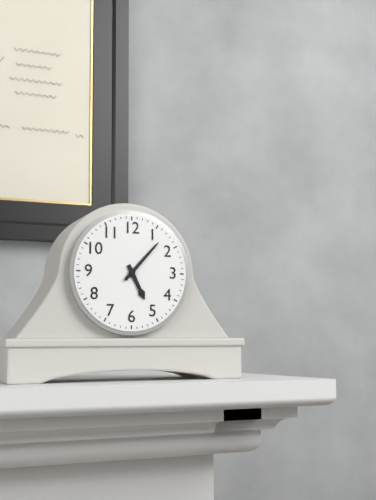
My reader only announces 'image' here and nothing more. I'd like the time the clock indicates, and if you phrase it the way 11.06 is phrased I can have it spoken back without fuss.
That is 5.07
